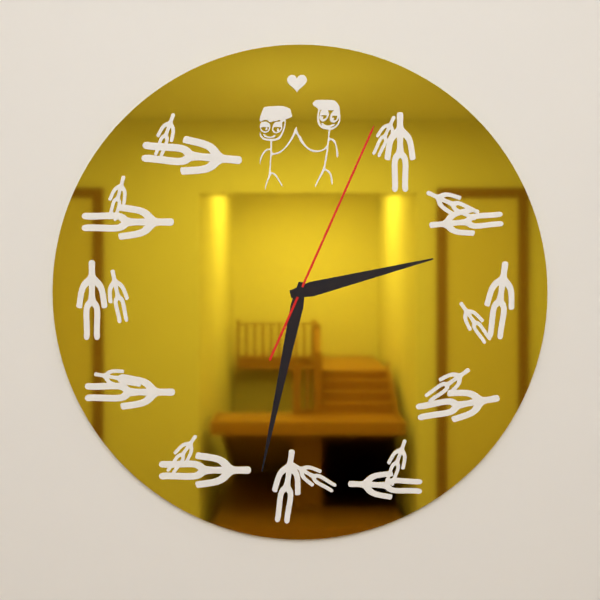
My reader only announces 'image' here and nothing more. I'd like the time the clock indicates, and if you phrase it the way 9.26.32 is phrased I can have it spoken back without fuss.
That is 2.32.04
